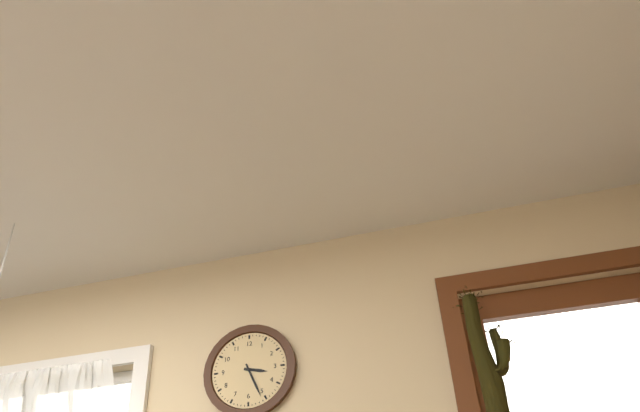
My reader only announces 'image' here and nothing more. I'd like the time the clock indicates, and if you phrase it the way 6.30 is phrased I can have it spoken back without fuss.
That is 3.26
